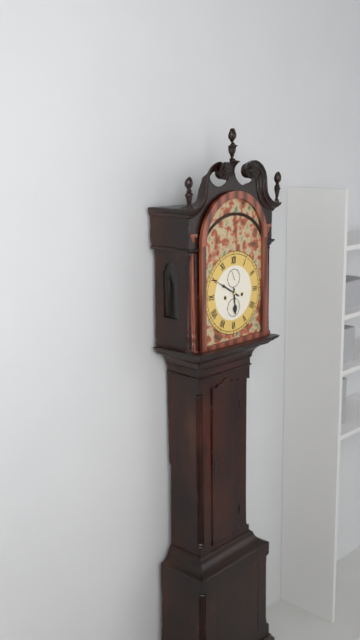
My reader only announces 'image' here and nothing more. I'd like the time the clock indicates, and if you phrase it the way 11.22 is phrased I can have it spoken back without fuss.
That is 5.50
